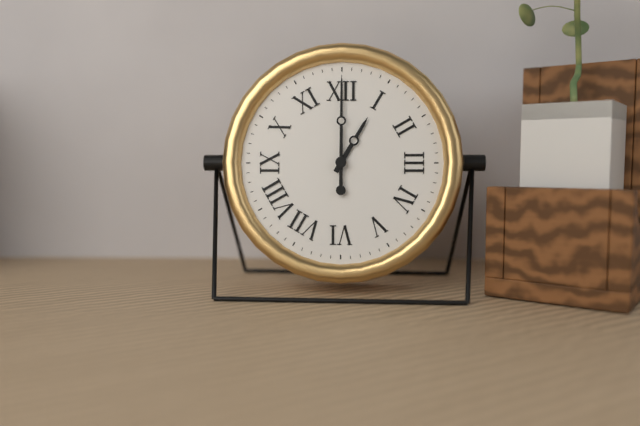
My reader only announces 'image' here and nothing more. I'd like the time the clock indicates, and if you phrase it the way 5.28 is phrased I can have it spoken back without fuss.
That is 1.00
